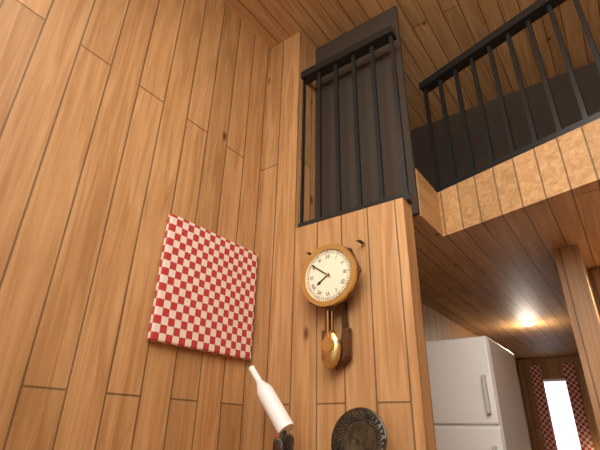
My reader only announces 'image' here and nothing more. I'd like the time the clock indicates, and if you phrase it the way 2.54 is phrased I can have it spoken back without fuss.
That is 7.51
